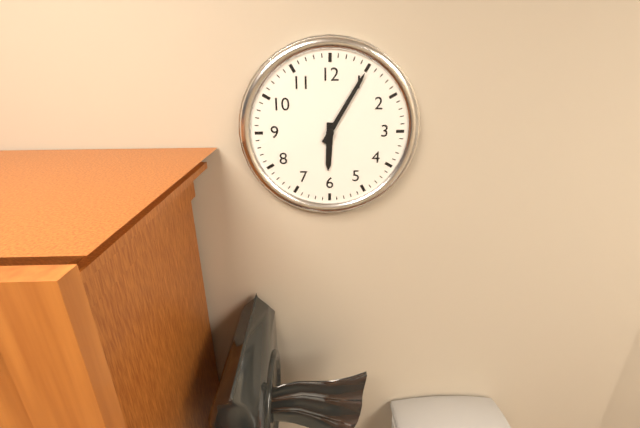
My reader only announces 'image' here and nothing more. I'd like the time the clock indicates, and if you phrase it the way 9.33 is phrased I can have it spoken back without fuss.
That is 6.05
